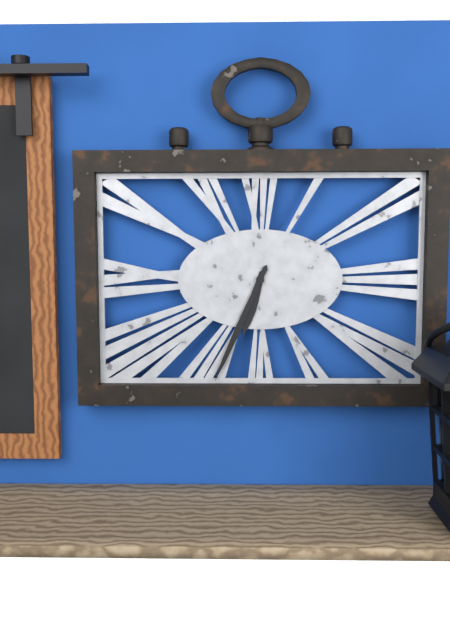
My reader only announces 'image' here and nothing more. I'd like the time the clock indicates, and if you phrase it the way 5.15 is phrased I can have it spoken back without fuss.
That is 6.34
